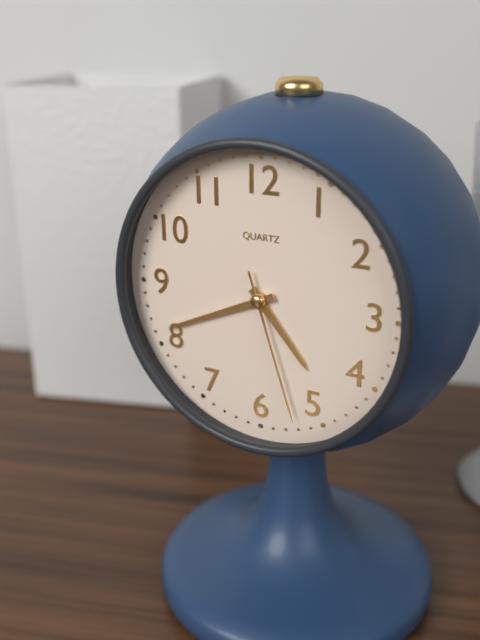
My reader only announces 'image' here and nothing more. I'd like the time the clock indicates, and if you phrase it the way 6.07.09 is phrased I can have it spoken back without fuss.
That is 4.41.27
